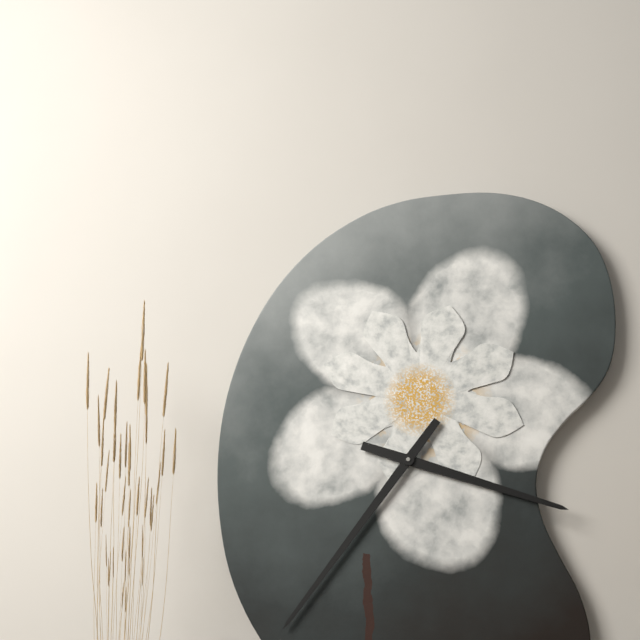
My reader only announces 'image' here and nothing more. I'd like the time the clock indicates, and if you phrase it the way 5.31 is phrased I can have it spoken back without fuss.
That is 3.36
